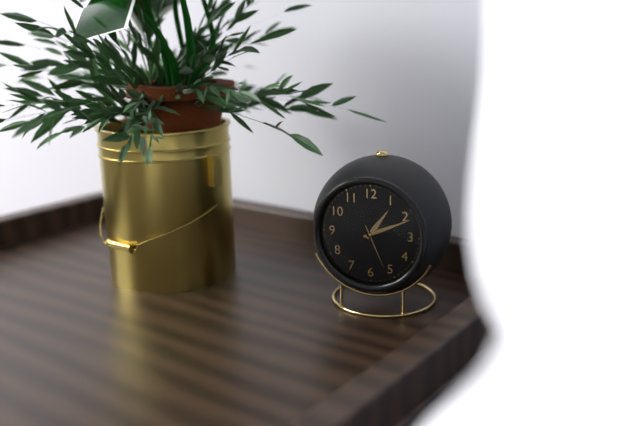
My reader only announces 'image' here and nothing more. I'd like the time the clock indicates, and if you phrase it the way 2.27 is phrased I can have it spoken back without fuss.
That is 1.11
